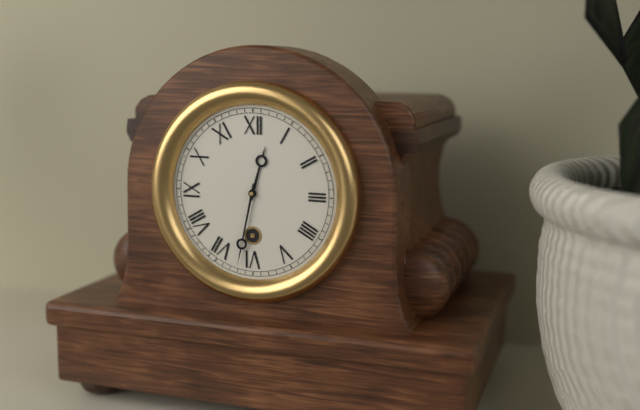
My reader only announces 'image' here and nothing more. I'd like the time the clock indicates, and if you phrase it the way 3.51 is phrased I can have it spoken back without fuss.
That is 12.32
